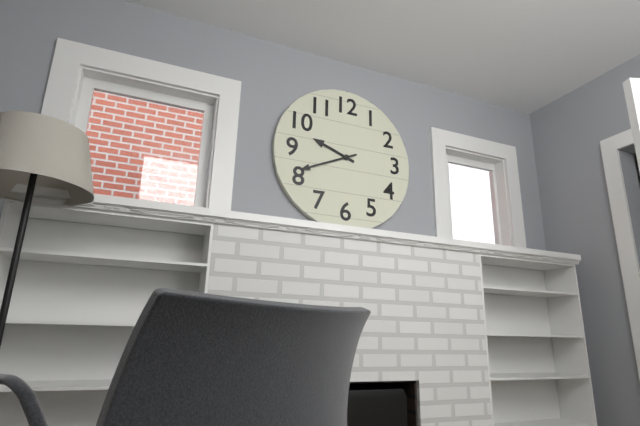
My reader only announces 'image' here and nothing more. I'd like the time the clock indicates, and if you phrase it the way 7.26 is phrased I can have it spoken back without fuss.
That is 9.41
